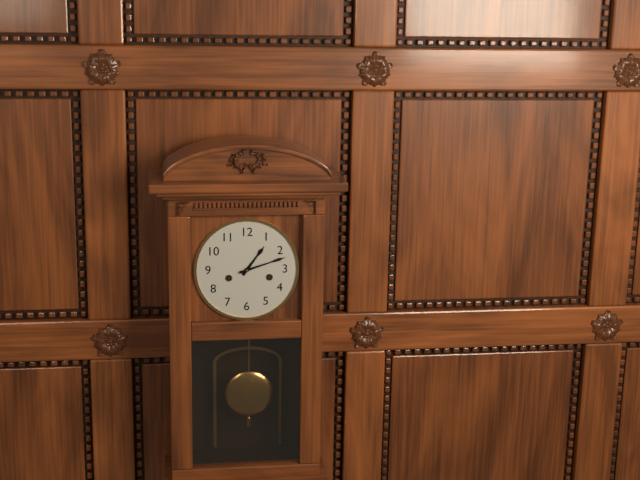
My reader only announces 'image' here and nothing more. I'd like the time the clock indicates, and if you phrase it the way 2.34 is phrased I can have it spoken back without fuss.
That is 1.12
